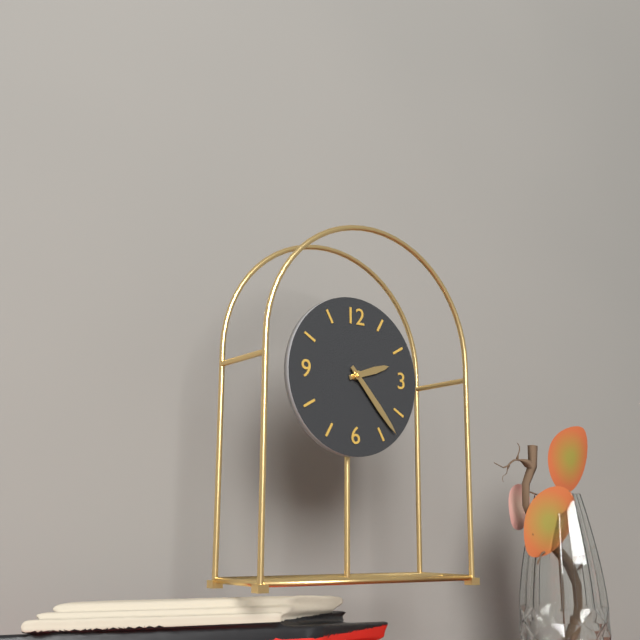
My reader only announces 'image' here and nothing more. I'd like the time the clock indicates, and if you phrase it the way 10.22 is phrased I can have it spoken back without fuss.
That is 2.23
